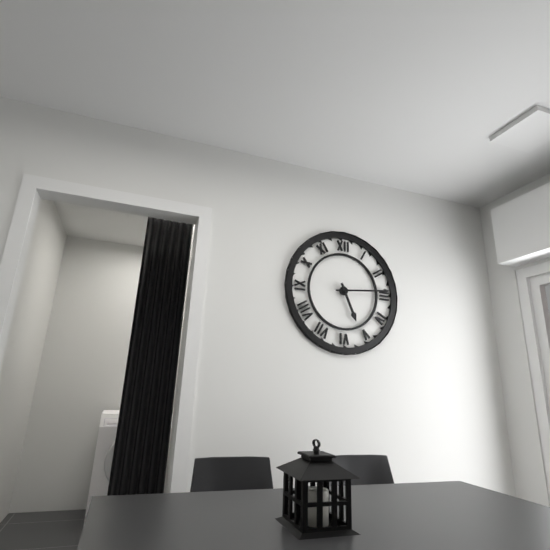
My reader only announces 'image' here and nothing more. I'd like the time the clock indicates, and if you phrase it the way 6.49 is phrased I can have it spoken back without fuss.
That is 5.14
